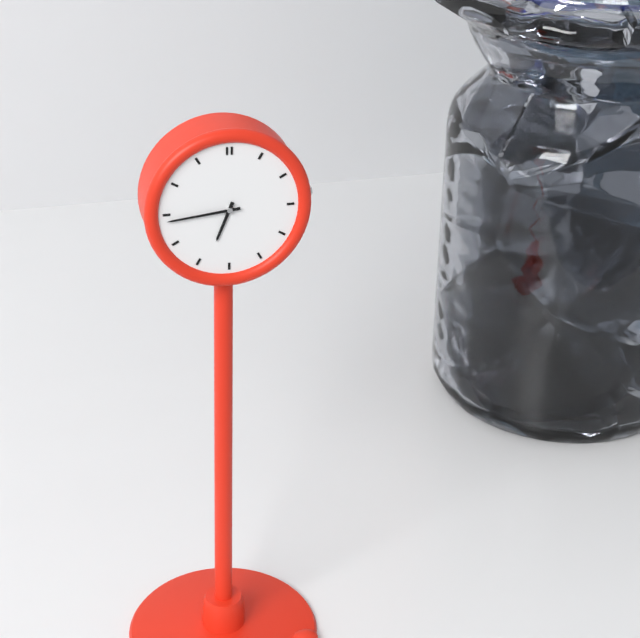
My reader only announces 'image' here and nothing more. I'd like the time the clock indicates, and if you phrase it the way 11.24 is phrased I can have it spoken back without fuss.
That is 6.44
